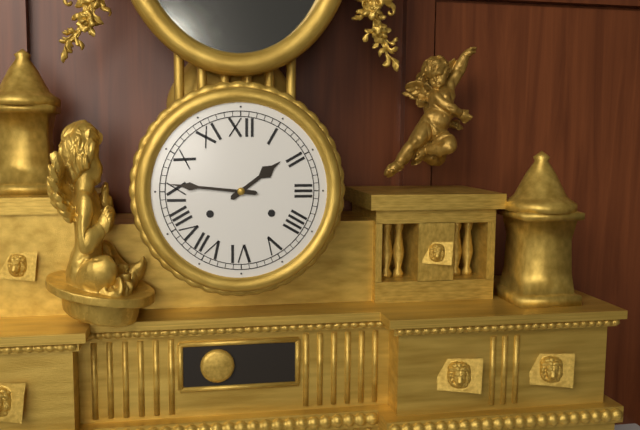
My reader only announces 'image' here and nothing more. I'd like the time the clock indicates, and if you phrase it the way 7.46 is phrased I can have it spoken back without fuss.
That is 1.46
